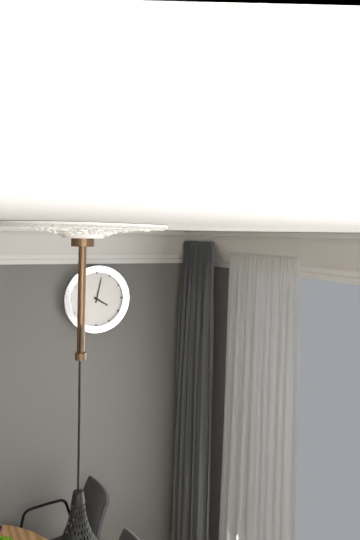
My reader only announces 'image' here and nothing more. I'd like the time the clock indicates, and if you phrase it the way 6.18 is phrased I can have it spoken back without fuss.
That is 4.02
